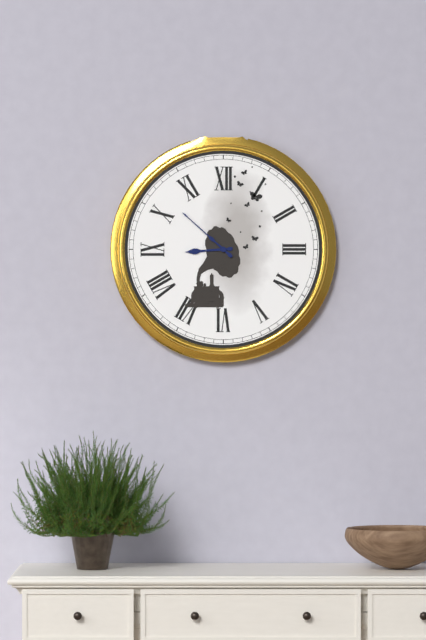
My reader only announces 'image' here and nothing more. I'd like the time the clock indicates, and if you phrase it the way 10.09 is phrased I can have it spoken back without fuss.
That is 8.52
